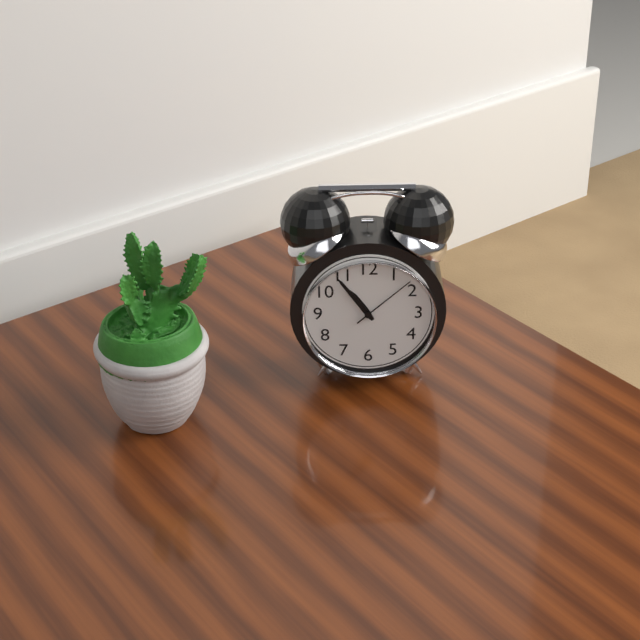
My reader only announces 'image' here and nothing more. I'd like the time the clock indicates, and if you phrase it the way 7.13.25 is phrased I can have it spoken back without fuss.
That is 10.54.08
